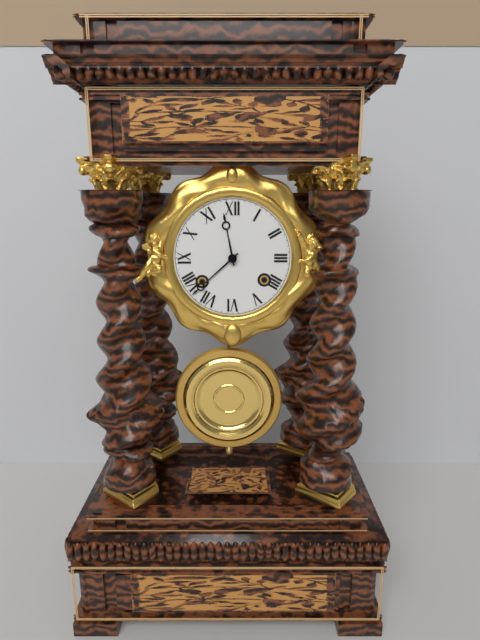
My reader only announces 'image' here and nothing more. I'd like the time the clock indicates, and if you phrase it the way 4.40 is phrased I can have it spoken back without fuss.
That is 11.38
